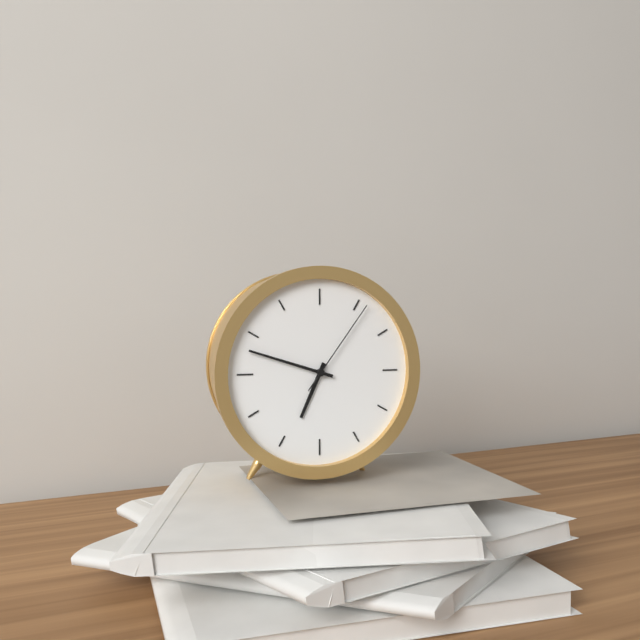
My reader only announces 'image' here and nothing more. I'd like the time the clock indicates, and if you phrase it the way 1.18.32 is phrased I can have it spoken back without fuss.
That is 6.48.06
